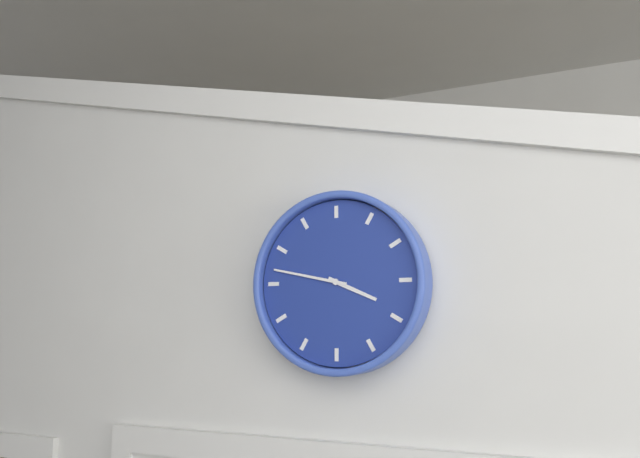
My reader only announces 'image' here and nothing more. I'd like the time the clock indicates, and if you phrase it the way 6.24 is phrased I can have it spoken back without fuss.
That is 3.47
